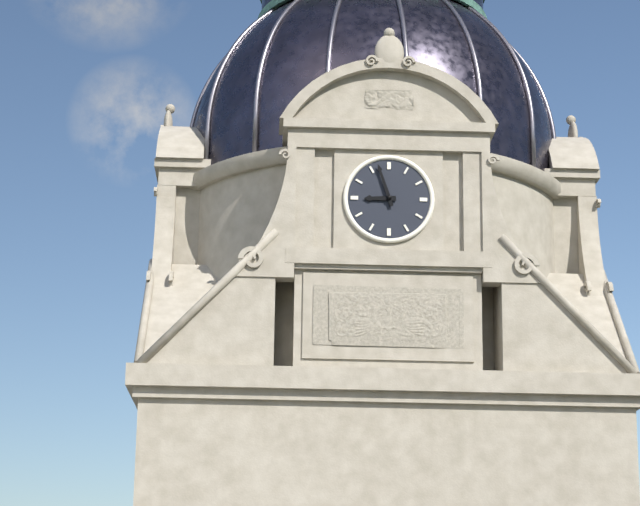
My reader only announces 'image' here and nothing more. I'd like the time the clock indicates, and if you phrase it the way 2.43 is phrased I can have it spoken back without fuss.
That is 8.57
